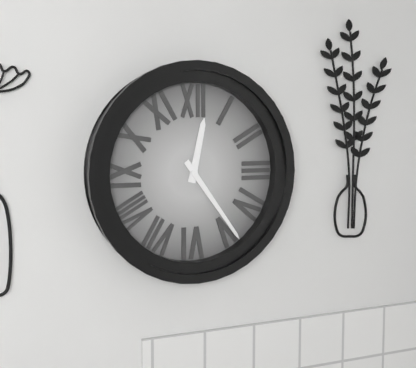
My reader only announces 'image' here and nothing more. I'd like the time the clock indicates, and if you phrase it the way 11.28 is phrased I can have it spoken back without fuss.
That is 12.24
